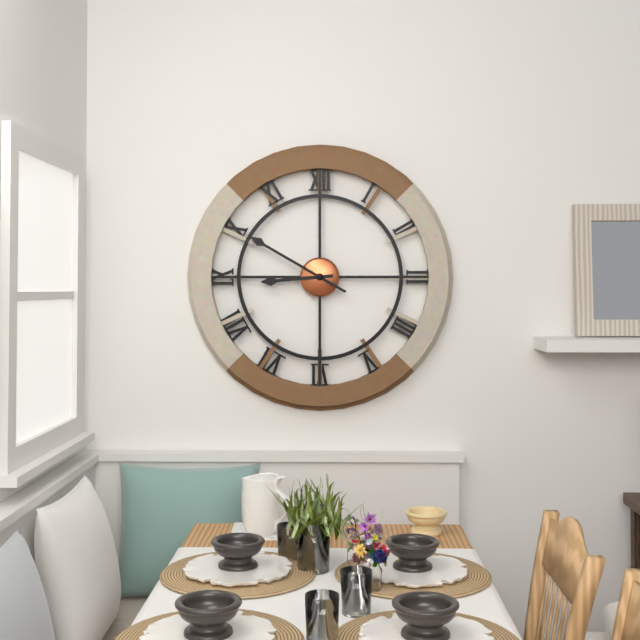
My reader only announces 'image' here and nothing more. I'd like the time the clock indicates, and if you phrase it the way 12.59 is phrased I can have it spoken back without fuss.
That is 8.50
